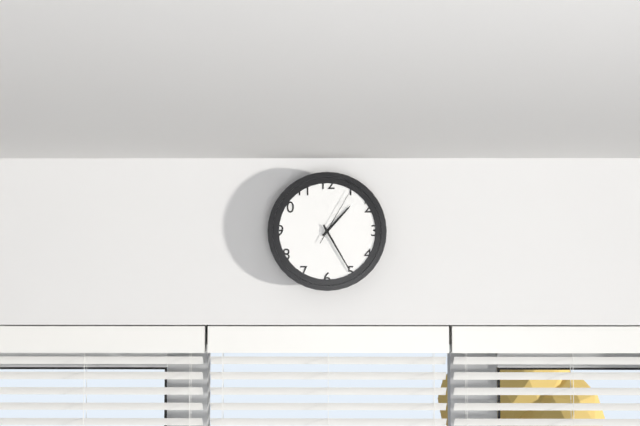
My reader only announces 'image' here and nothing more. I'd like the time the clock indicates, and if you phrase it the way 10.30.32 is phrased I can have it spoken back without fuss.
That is 1.25.05
